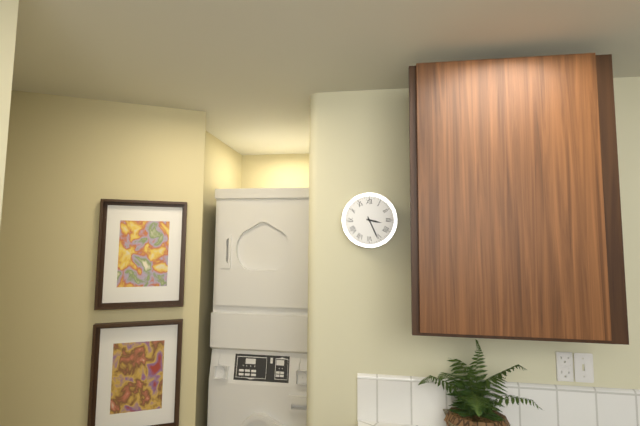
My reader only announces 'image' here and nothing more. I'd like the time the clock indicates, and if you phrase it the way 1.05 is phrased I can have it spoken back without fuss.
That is 3.26
